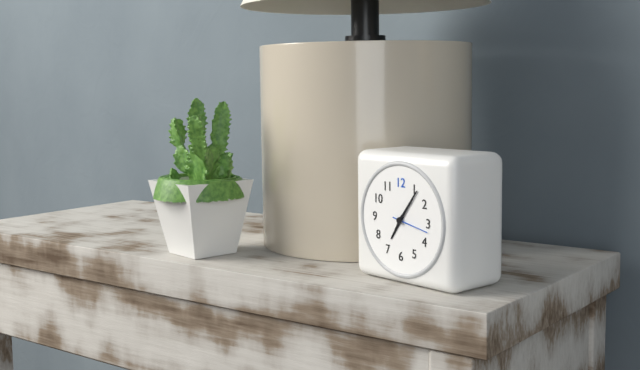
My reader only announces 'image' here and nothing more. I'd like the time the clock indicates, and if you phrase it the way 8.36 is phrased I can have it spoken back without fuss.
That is 7.06
